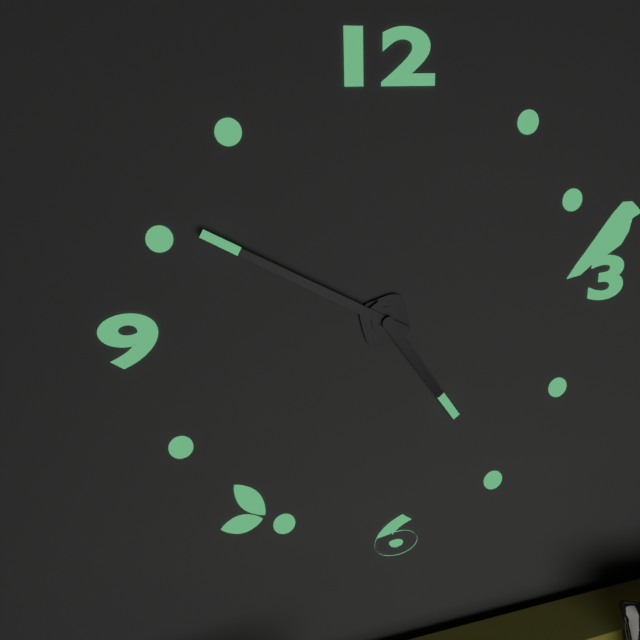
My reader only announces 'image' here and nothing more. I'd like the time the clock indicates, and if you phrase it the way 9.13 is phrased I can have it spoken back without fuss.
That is 4.50
